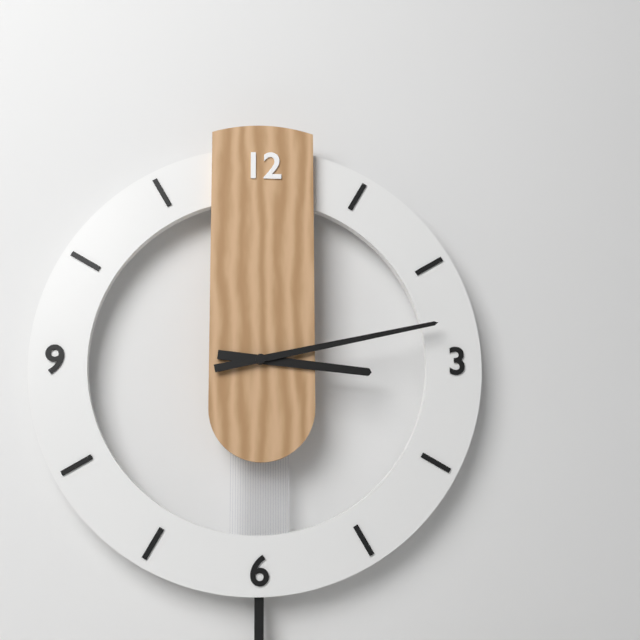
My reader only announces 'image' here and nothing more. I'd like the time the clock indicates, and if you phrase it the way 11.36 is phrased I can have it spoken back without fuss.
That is 3.13
